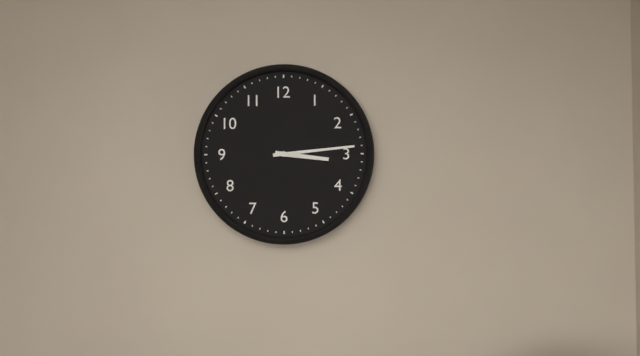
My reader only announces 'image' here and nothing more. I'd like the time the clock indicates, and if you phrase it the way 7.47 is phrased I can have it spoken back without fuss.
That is 3.14
